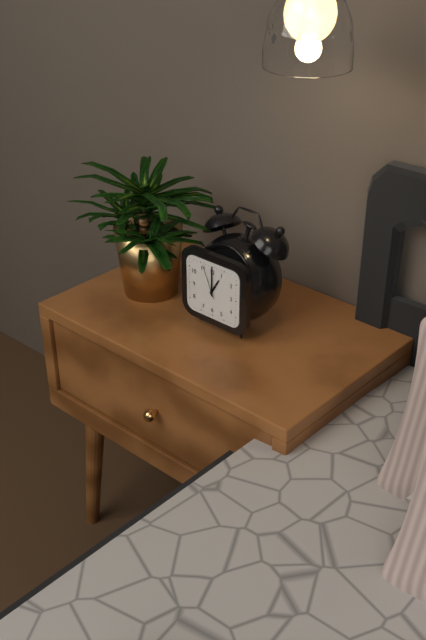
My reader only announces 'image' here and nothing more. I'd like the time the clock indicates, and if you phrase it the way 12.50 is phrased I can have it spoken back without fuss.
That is 1.00
